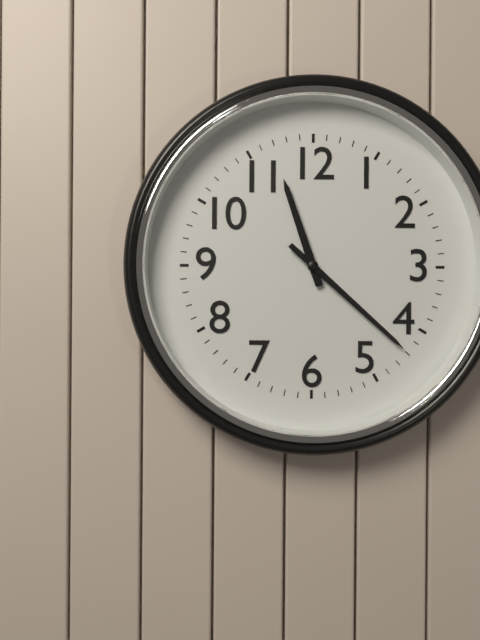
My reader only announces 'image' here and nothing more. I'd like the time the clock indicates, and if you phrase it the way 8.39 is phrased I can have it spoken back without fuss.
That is 11.22
